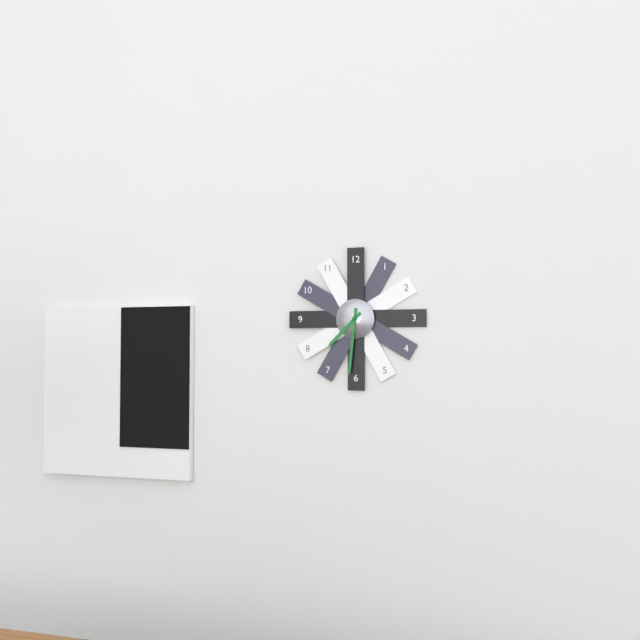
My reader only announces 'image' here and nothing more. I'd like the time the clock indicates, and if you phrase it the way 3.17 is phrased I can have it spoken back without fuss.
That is 7.31
